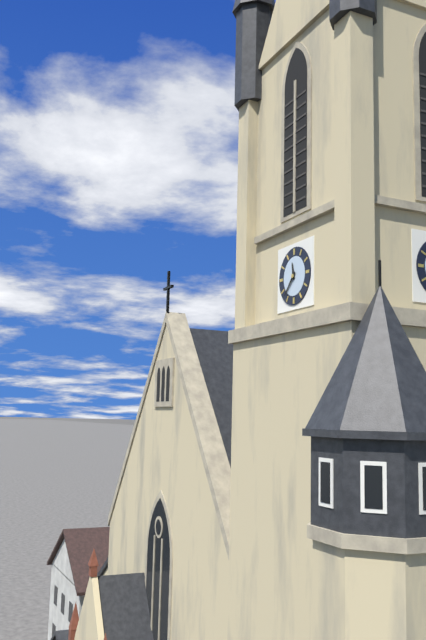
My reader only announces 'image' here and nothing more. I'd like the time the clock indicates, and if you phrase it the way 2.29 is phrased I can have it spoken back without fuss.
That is 11.37
